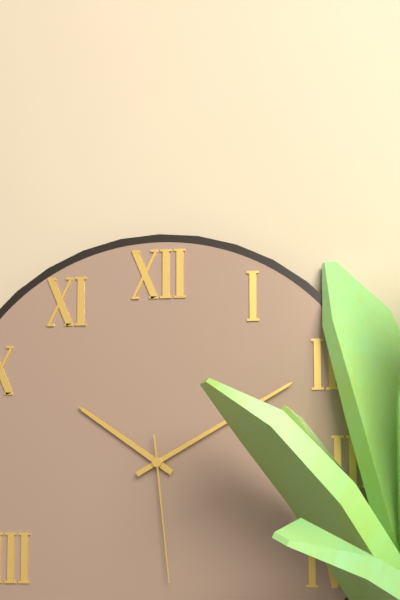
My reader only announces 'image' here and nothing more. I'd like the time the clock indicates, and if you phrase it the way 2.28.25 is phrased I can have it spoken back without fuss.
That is 10.10.29
